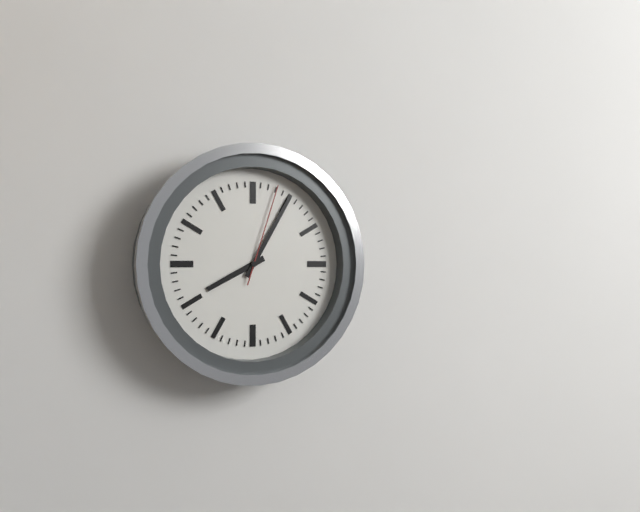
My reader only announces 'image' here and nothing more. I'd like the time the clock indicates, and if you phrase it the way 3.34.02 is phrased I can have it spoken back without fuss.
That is 8.05.03
